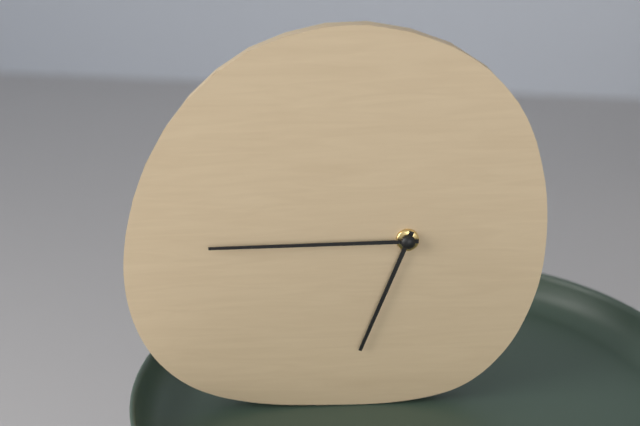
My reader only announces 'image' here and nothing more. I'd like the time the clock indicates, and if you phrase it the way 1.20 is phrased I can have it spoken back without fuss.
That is 6.45
